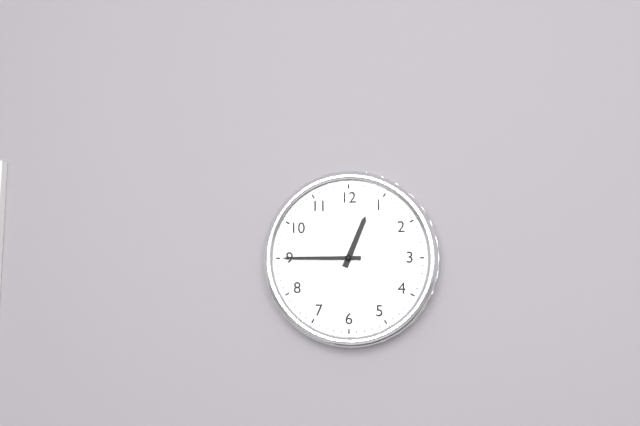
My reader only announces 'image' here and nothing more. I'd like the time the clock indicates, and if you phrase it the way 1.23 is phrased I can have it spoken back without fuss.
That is 12.45
